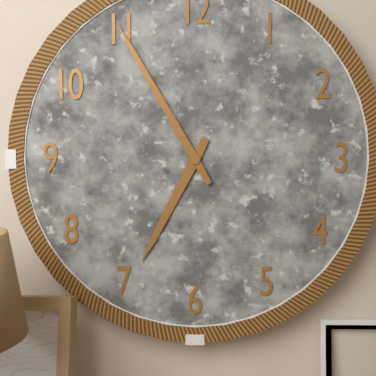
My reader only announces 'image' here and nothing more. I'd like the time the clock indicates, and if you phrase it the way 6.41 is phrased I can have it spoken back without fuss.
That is 6.55
